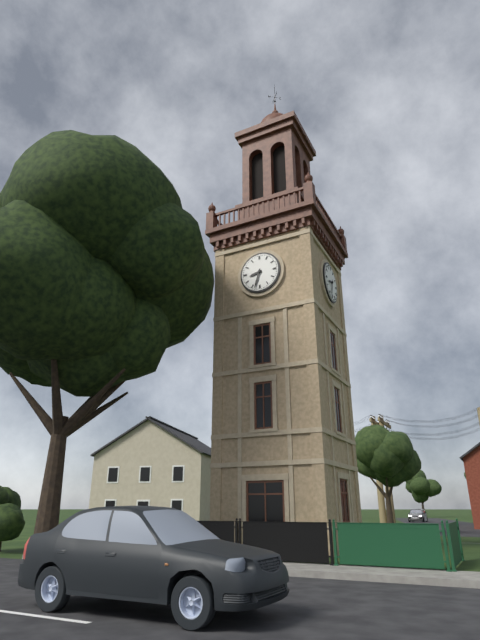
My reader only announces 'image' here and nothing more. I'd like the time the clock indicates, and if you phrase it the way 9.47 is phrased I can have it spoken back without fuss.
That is 8.33
